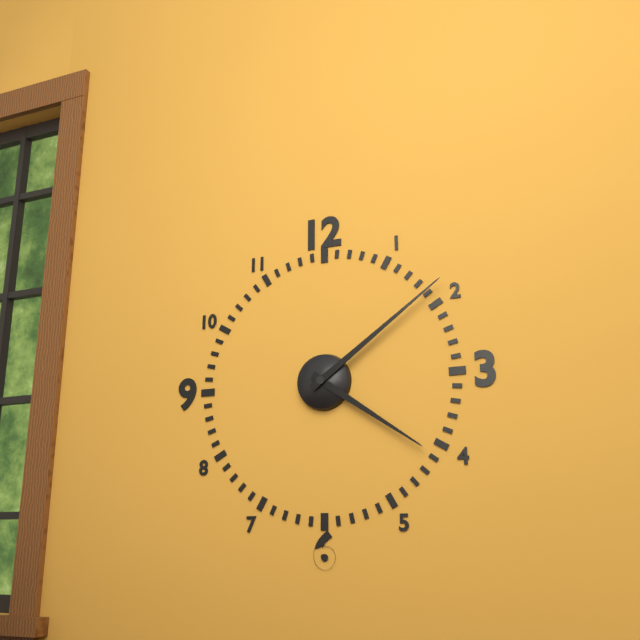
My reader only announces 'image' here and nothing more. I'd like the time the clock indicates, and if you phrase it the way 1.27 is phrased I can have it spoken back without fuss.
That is 4.09
